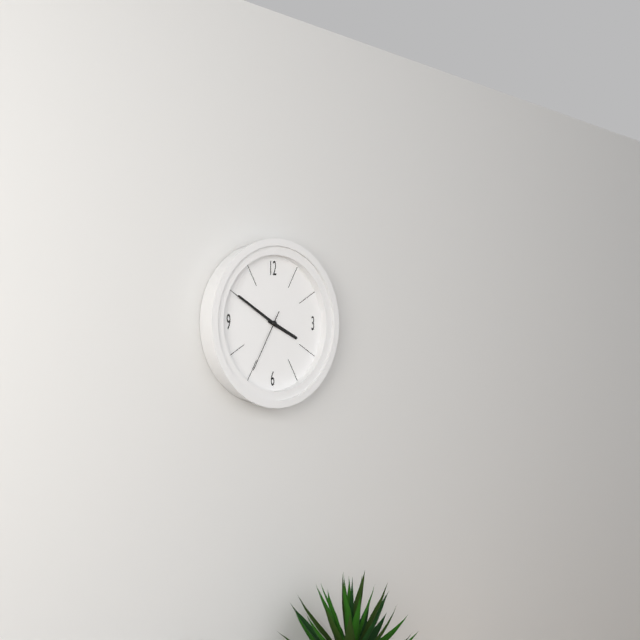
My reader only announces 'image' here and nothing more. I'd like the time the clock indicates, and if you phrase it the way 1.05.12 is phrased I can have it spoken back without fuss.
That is 3.50.35
